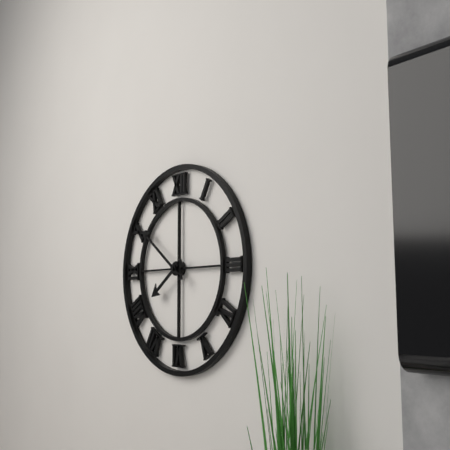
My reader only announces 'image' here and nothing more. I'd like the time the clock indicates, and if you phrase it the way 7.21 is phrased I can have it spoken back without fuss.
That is 7.51
